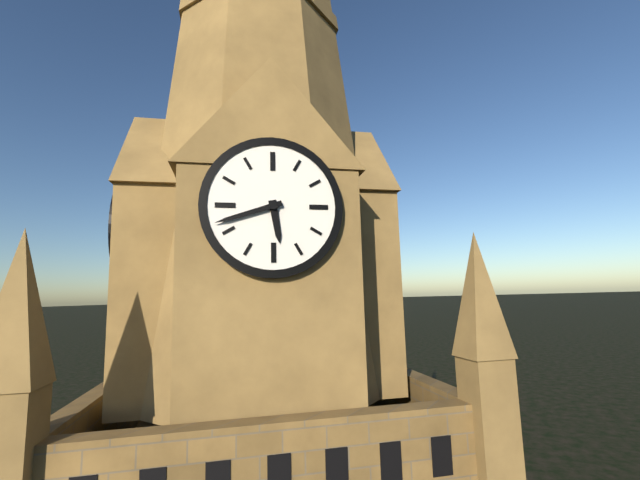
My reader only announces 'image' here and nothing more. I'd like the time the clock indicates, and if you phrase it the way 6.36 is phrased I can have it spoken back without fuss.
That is 5.42
